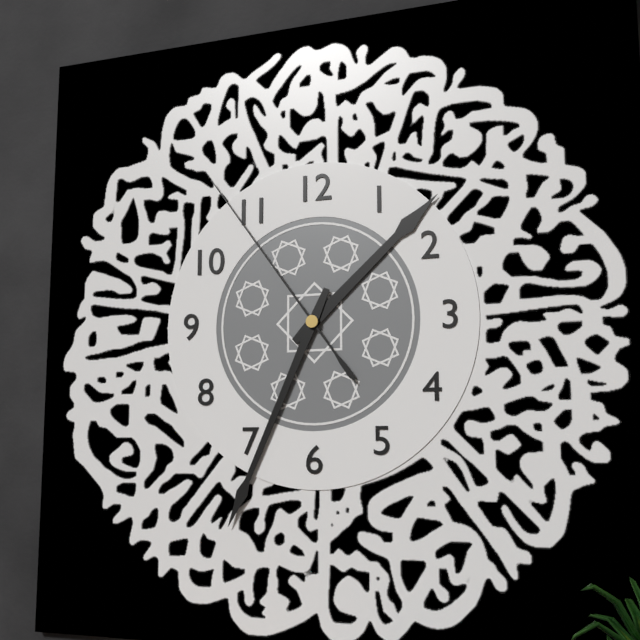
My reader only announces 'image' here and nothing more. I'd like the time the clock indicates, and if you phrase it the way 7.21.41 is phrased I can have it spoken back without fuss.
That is 1.34.54
